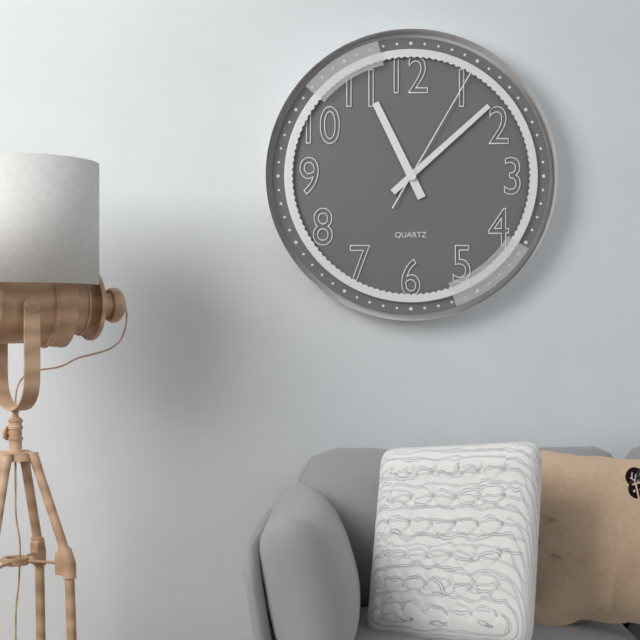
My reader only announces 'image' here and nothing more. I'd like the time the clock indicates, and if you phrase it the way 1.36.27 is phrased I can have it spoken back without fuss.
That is 11.08.05
